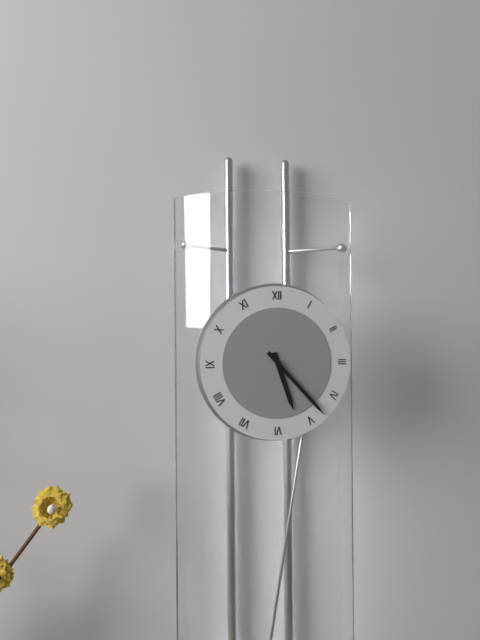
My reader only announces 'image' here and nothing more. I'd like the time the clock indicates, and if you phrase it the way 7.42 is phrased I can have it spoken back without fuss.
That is 5.23
